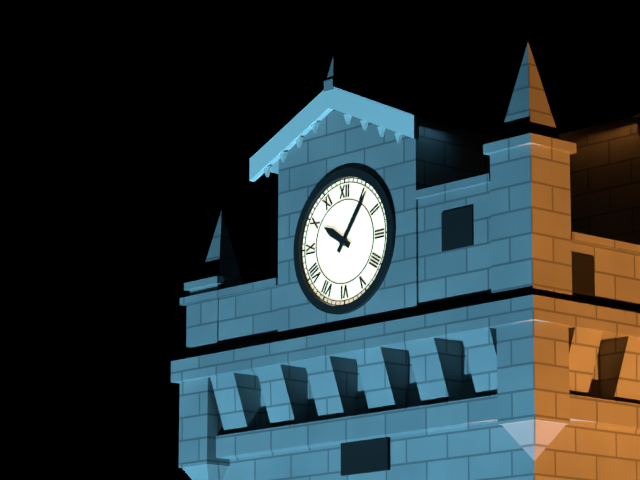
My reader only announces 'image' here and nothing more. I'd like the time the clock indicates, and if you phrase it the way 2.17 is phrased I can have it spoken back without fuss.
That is 10.06
